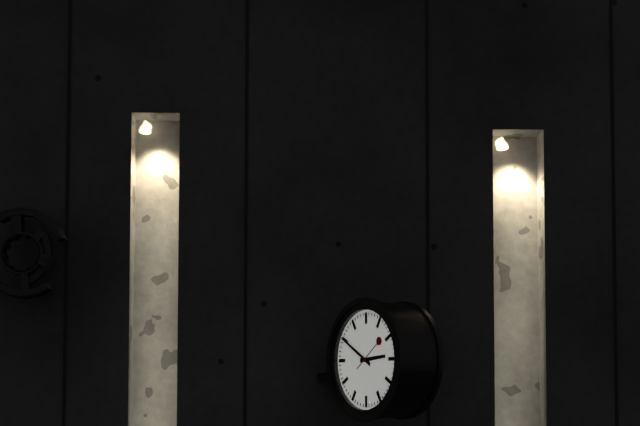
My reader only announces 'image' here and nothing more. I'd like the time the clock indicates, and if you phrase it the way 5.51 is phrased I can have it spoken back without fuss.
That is 2.50
